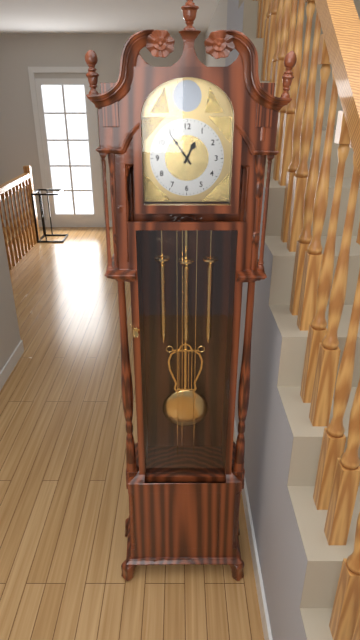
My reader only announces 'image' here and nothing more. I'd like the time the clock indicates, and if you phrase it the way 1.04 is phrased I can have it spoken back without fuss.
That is 12.54
